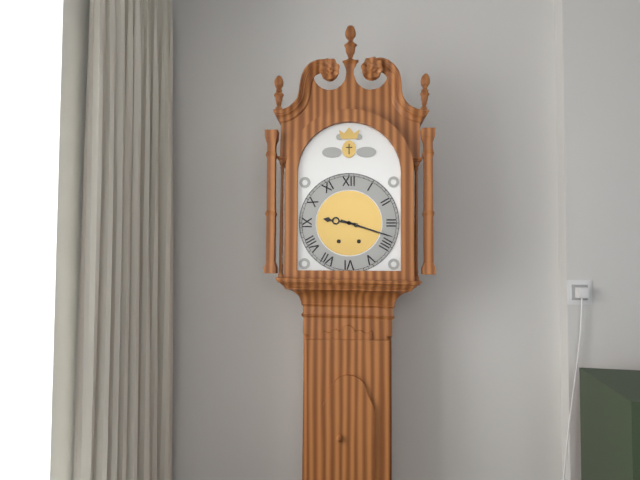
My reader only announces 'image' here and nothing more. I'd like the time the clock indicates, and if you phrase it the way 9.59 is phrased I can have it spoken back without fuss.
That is 9.18
